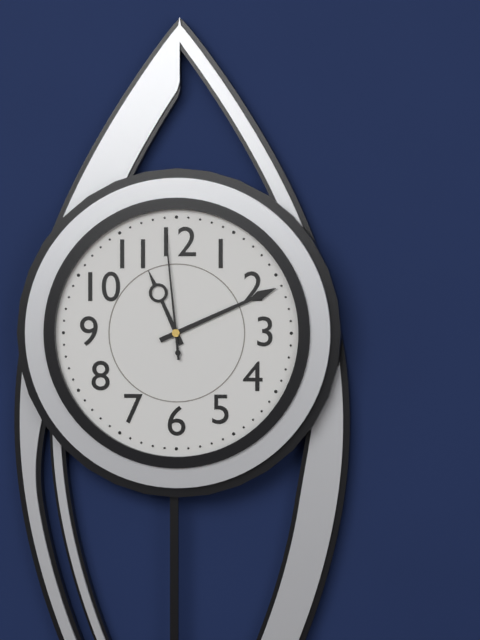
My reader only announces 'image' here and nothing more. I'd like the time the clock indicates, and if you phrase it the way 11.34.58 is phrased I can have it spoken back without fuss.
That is 11.11.59
